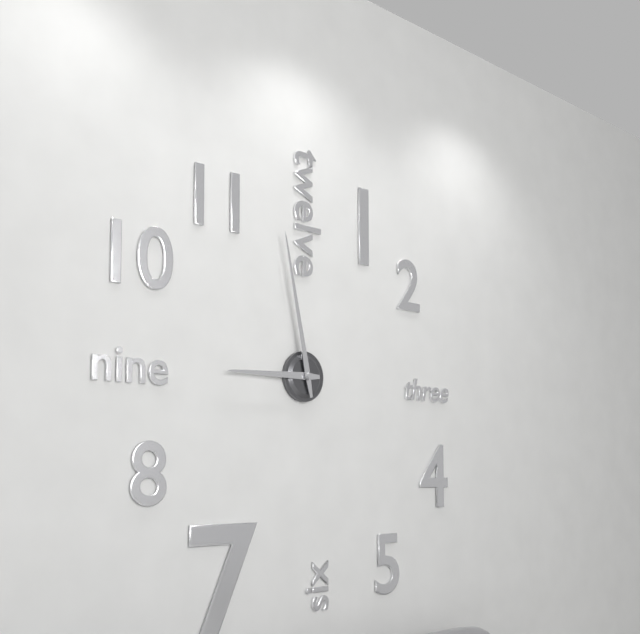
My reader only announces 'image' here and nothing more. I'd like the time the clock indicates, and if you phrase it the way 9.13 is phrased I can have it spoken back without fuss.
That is 8.58
